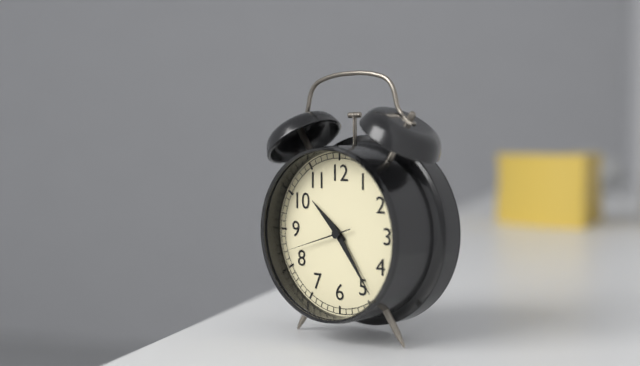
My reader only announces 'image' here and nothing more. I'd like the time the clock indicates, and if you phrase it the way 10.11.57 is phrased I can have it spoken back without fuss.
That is 10.24.42
